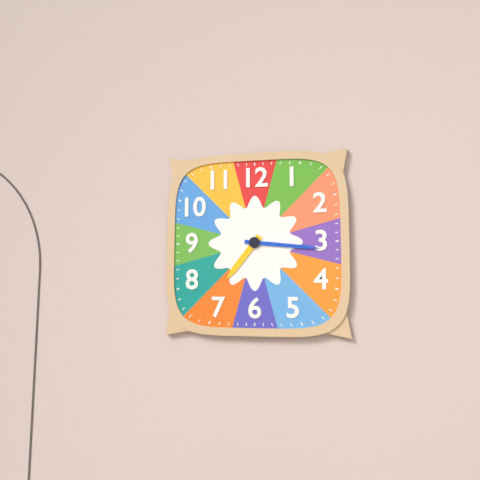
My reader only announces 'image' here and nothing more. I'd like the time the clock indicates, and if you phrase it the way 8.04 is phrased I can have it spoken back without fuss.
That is 7.16
